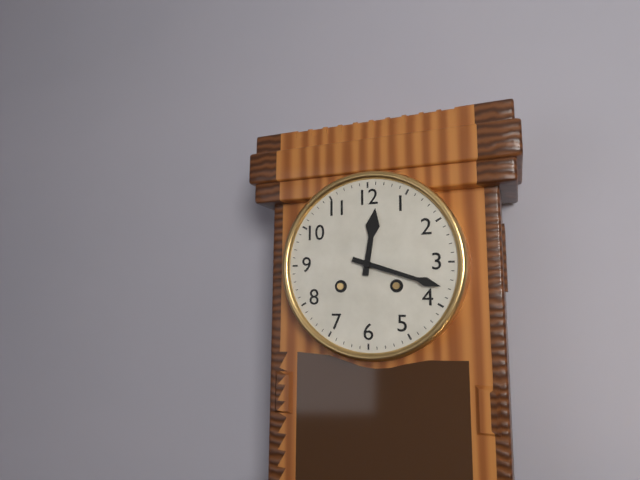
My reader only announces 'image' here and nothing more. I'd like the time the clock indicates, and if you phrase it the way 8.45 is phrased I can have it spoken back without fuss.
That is 12.18
